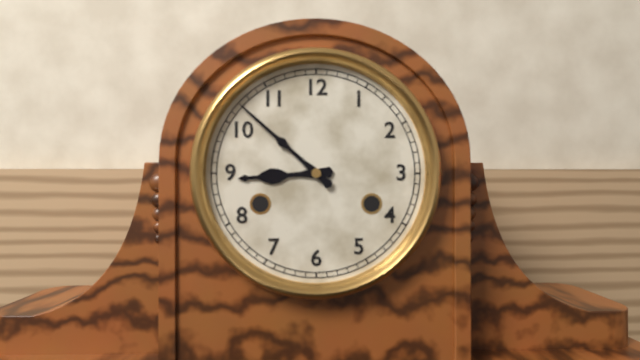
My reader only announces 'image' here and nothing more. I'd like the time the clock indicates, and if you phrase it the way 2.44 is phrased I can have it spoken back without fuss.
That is 8.52
